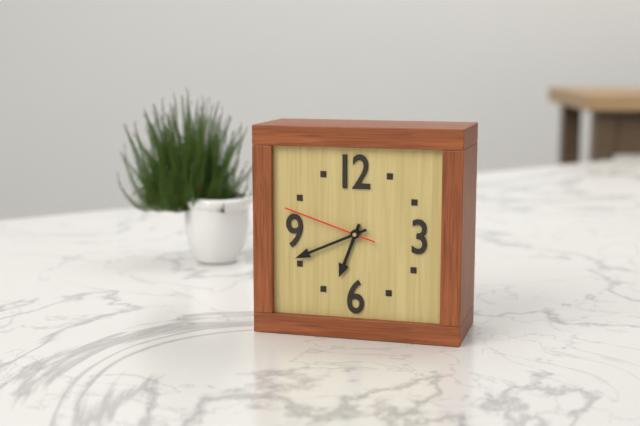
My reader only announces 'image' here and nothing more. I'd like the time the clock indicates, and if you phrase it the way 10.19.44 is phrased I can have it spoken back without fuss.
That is 6.41.48
